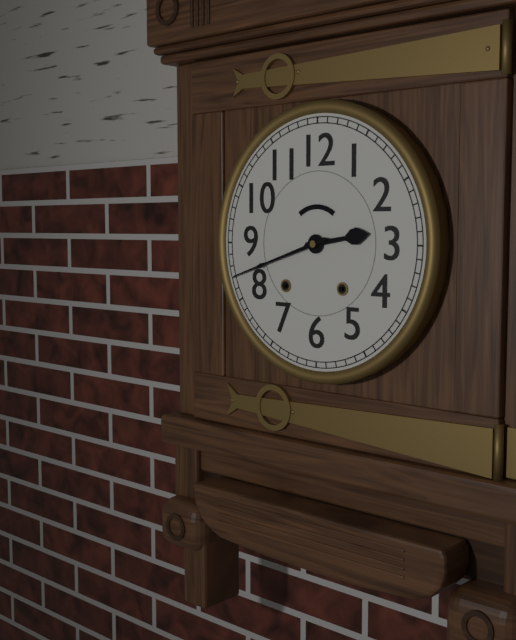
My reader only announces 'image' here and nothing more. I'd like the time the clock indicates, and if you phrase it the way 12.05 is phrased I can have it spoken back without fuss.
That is 2.42
